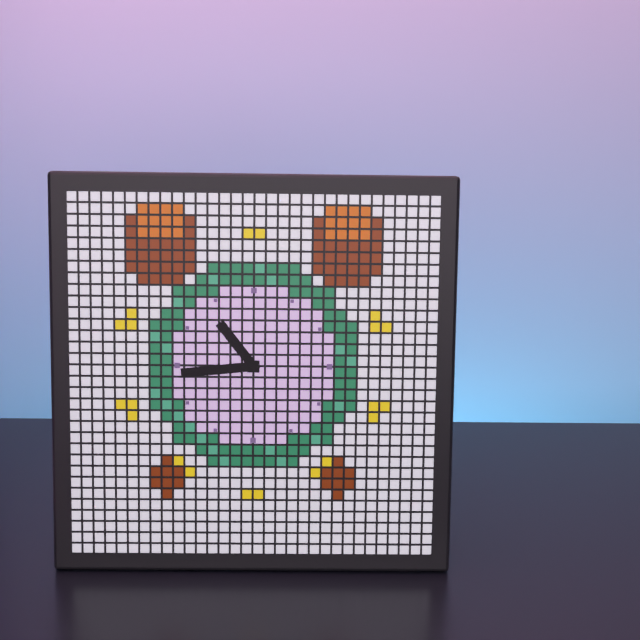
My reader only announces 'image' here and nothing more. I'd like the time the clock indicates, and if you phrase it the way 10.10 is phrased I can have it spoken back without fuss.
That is 10.44
